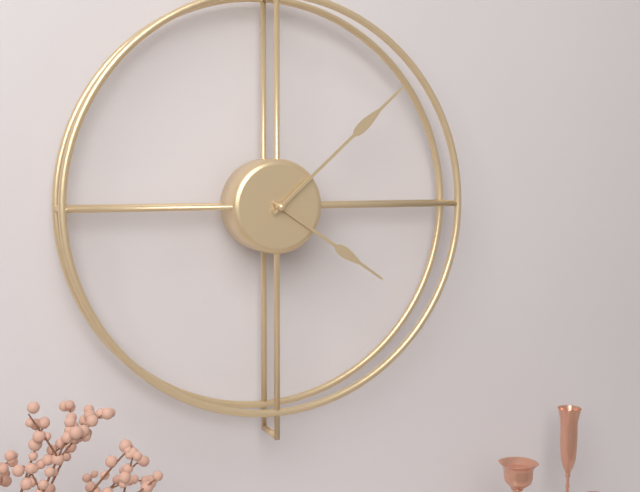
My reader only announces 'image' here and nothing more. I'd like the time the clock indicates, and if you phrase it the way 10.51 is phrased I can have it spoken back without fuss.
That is 4.08
